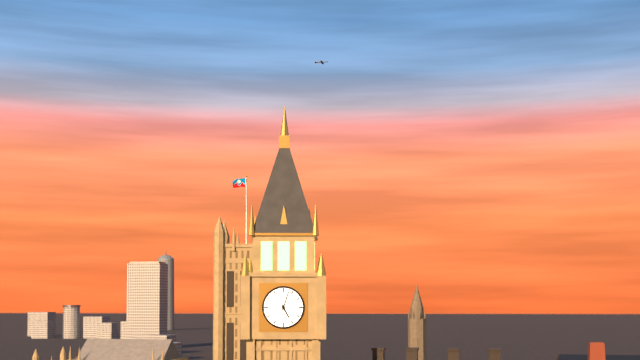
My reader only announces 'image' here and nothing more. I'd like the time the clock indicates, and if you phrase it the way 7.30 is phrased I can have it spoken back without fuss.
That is 5.03
